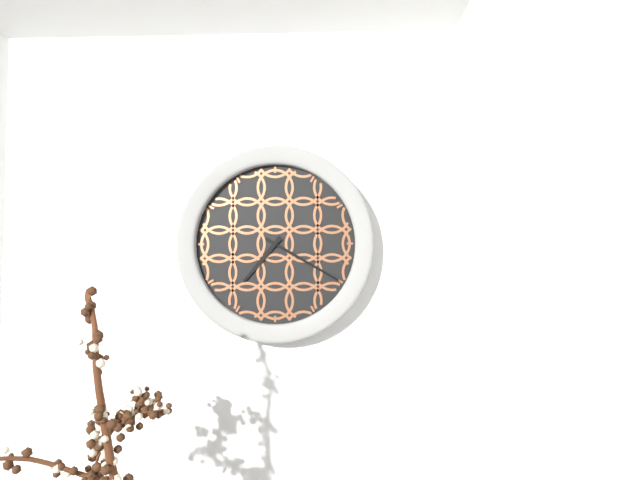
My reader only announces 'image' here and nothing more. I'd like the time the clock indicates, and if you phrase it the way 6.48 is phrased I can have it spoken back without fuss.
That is 7.20
